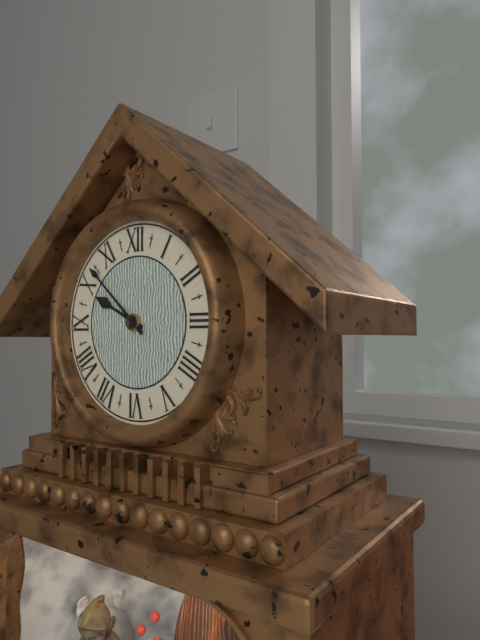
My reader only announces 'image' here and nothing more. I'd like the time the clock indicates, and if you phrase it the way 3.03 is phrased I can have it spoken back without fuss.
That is 9.52
